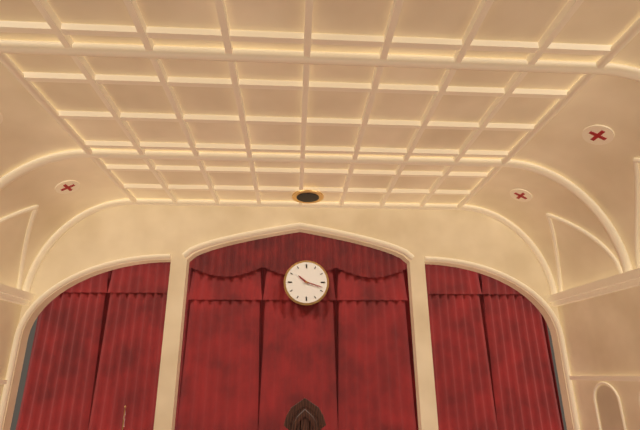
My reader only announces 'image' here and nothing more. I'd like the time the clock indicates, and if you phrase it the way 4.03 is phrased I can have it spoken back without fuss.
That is 10.18
